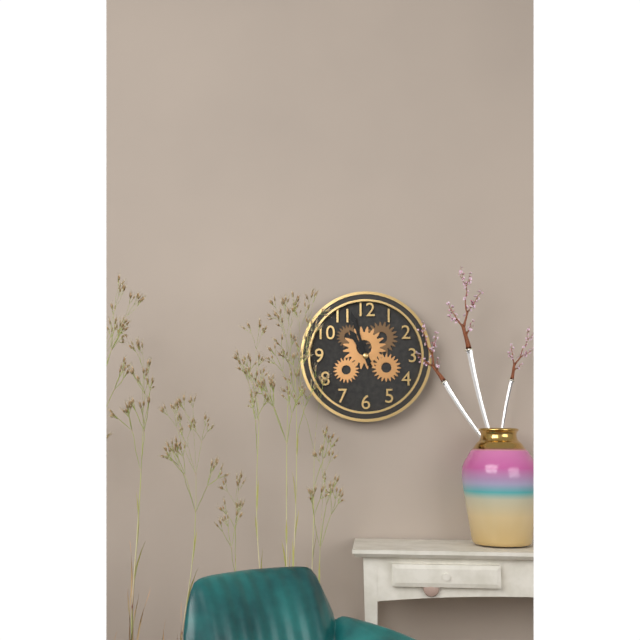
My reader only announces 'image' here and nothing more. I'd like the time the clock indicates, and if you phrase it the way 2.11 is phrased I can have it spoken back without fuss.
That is 10.57
